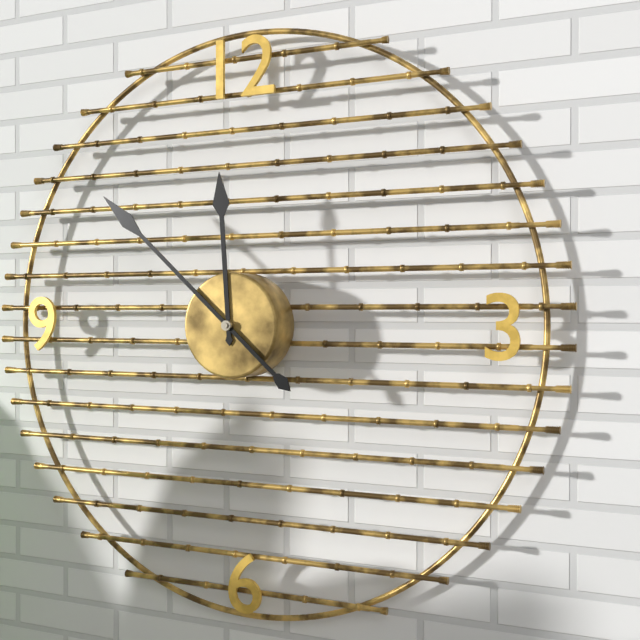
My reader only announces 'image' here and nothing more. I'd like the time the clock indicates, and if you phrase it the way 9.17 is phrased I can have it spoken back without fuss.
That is 11.52
